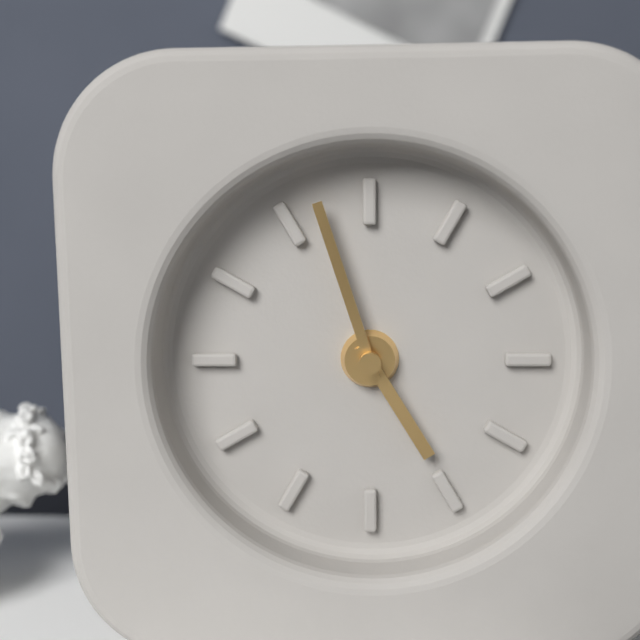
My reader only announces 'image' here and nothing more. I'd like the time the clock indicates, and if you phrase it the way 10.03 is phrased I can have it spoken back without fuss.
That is 4.57
